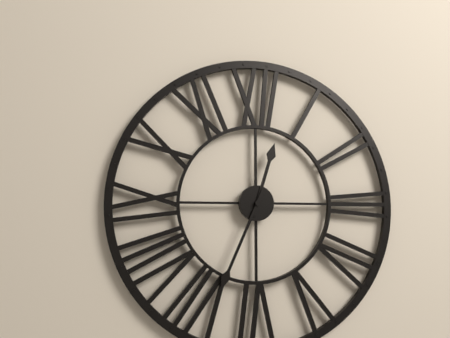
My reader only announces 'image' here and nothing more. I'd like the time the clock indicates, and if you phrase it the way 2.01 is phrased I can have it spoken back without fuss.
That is 12.34
